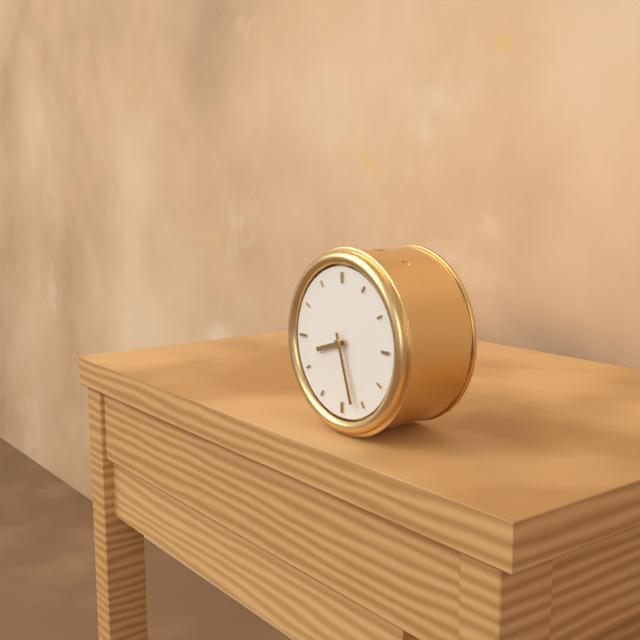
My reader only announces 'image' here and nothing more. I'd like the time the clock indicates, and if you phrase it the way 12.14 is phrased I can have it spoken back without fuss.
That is 8.27
